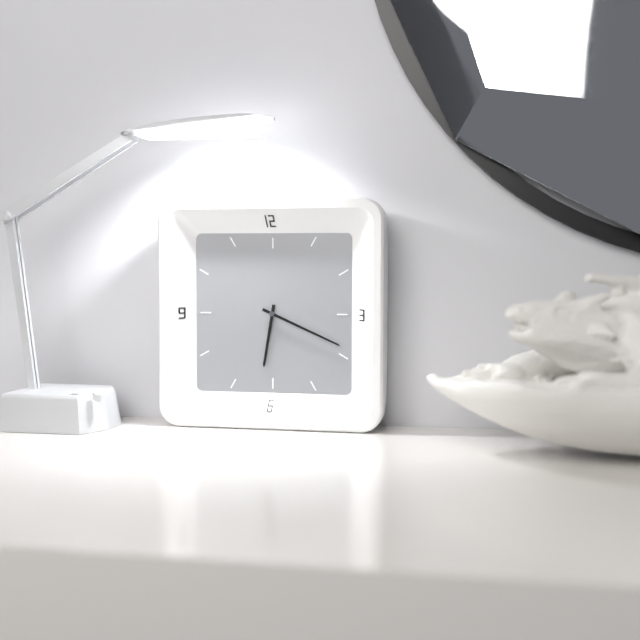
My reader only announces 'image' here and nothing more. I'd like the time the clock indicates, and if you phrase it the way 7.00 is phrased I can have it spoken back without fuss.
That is 6.19
